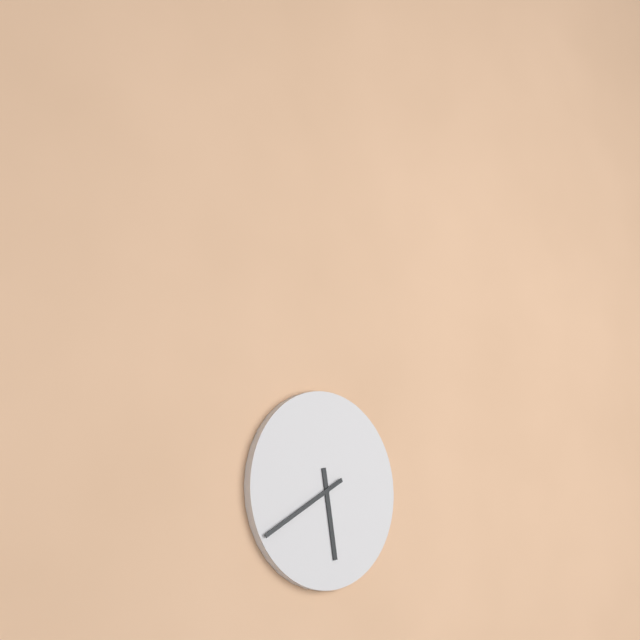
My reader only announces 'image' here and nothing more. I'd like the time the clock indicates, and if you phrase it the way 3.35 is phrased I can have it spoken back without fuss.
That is 5.40
